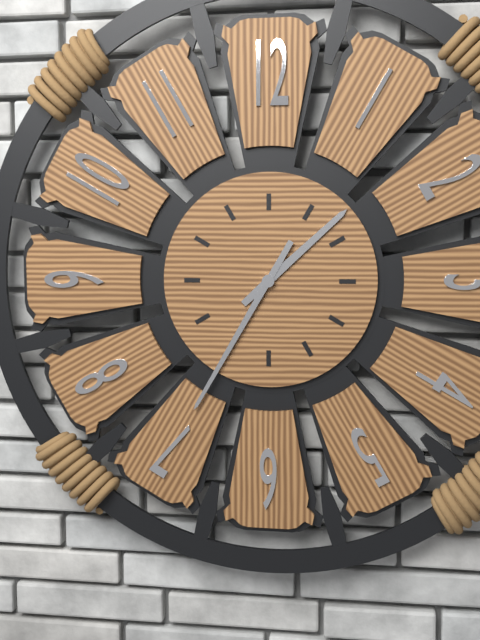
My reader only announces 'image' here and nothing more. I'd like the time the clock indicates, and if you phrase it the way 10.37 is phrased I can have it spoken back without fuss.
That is 1.35
